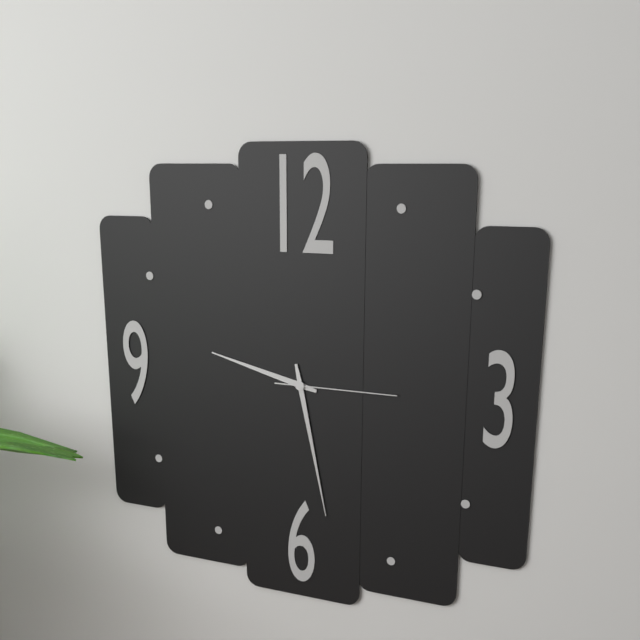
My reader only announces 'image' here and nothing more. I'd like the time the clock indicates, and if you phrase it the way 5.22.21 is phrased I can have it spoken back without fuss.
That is 9.28.15
